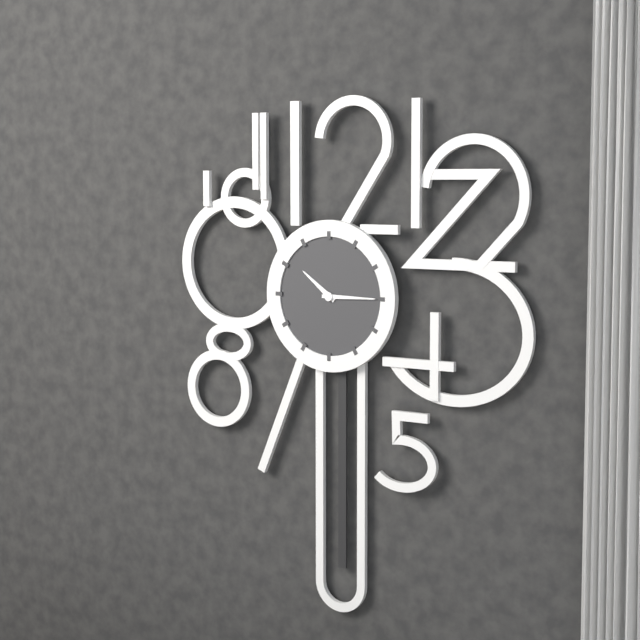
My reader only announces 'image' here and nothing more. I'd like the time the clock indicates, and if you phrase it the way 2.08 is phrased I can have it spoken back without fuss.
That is 10.15
